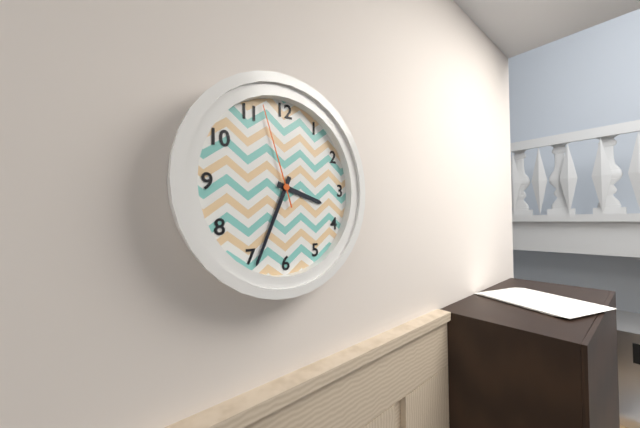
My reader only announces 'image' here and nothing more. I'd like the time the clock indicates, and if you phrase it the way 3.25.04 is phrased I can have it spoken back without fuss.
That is 3.34.57
